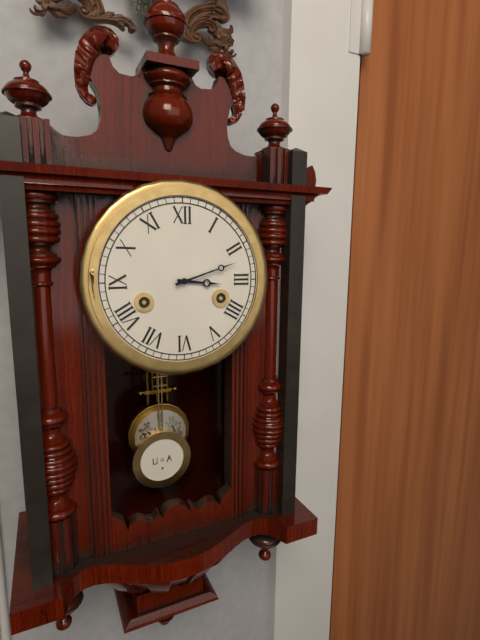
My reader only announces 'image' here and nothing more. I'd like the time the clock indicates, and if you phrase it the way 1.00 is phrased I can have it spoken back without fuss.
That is 3.12
